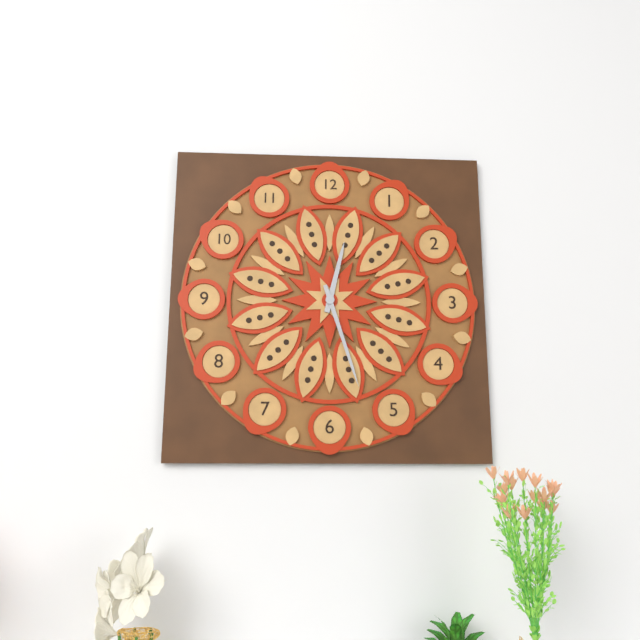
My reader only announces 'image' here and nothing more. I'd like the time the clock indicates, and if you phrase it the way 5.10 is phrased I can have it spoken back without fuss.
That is 12.27
